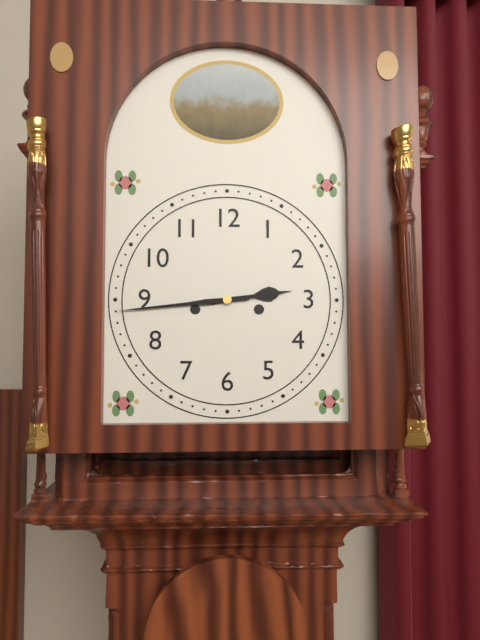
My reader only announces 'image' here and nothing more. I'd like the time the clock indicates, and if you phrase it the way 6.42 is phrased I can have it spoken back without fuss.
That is 2.44
